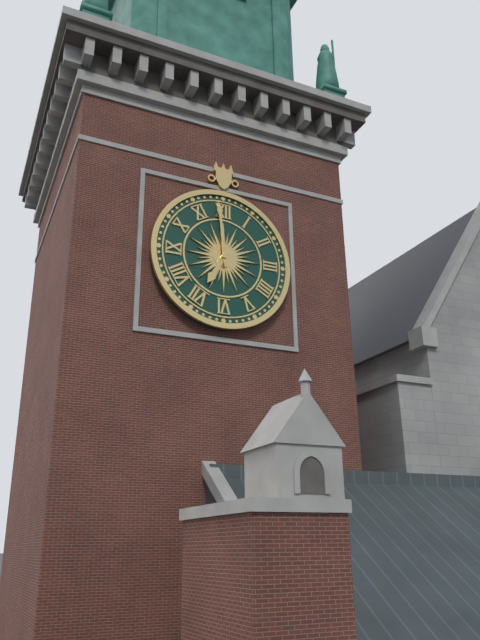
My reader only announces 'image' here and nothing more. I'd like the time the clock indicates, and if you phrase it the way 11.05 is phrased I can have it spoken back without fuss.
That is 6.59
